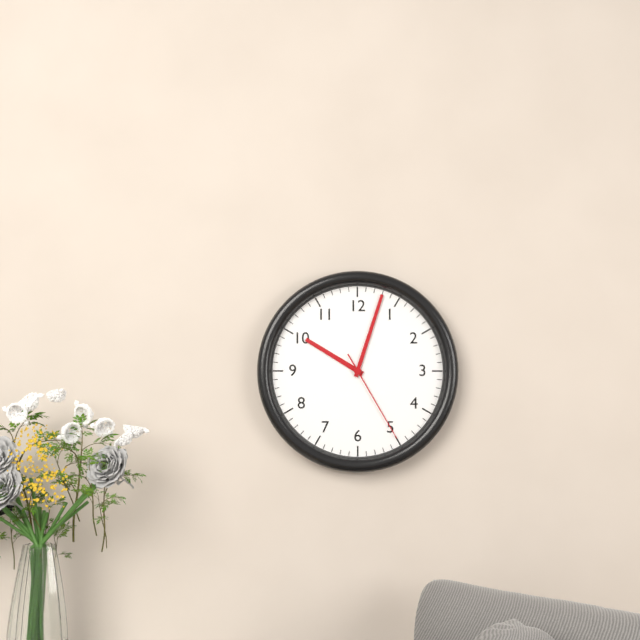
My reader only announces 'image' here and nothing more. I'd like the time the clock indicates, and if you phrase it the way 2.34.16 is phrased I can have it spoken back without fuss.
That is 10.03.25
